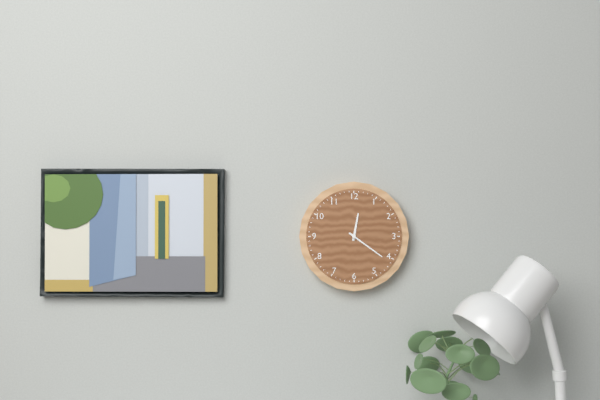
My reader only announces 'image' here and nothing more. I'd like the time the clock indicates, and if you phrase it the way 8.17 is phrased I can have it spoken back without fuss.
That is 12.21
